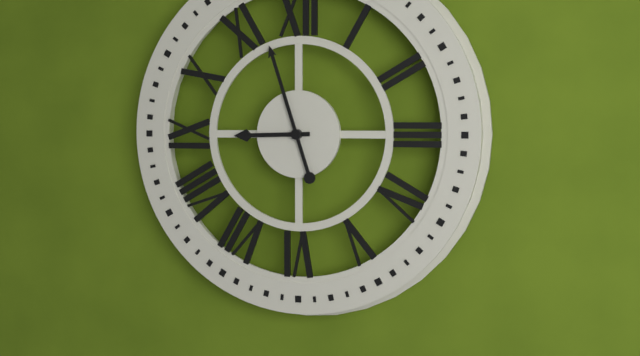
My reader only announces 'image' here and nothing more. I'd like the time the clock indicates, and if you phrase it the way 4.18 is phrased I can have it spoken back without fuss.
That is 8.57
